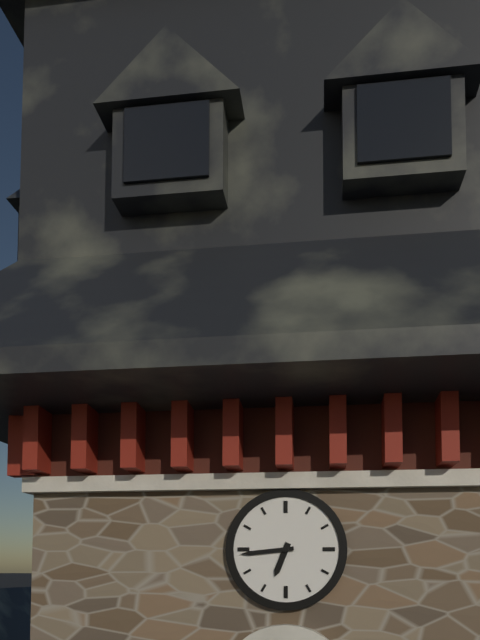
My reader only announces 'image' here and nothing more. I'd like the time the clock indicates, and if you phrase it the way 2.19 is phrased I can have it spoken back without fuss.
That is 6.44
